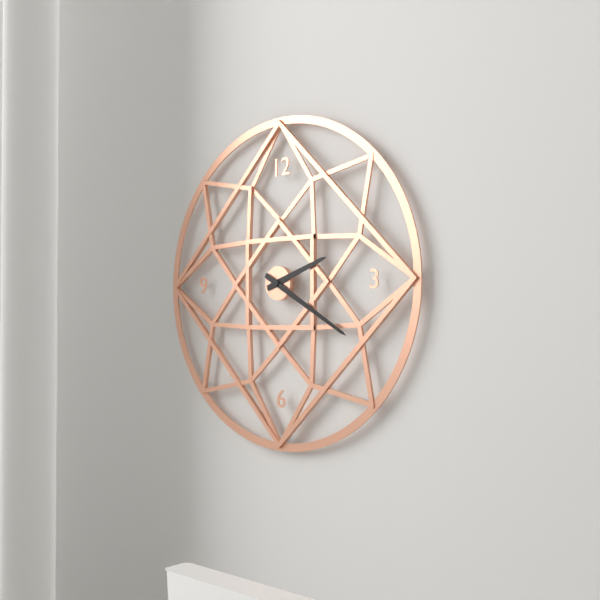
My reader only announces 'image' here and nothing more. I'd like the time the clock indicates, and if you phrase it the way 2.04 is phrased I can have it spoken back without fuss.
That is 2.20
